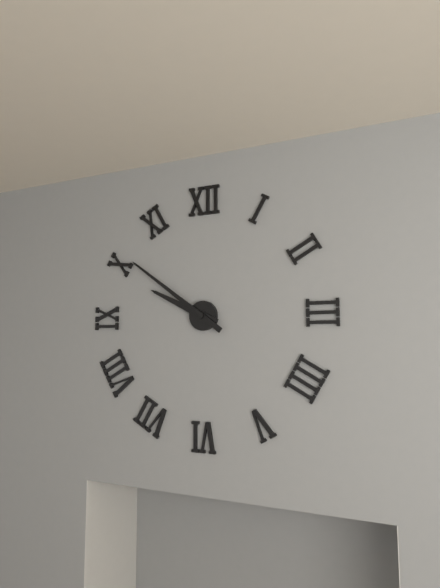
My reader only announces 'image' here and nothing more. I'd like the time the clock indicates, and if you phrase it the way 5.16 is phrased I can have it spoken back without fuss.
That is 9.51
